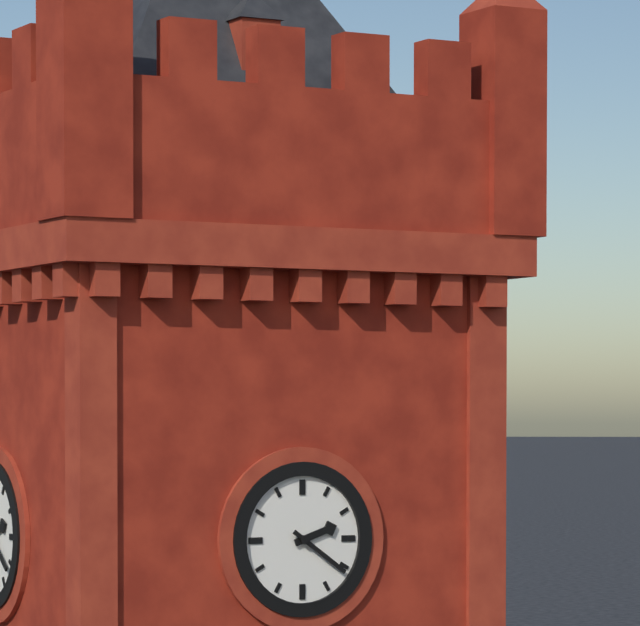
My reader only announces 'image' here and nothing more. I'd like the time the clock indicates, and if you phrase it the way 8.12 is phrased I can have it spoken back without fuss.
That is 2.21
